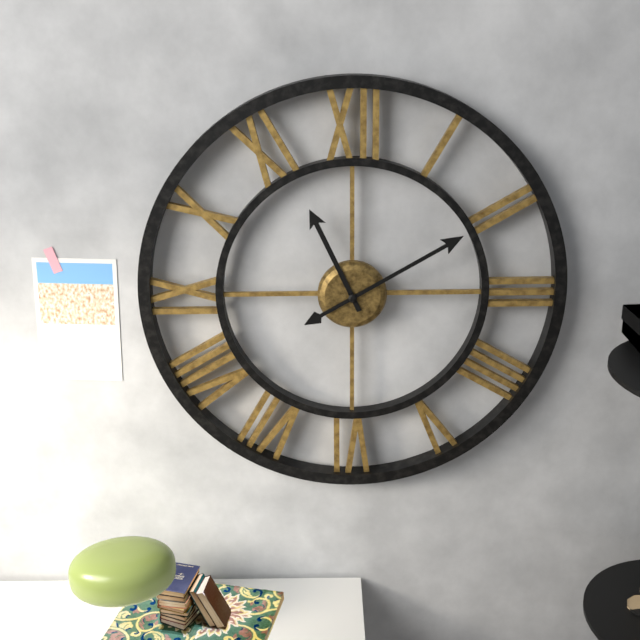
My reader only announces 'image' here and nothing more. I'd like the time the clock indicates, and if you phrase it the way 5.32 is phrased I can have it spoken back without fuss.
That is 11.10
